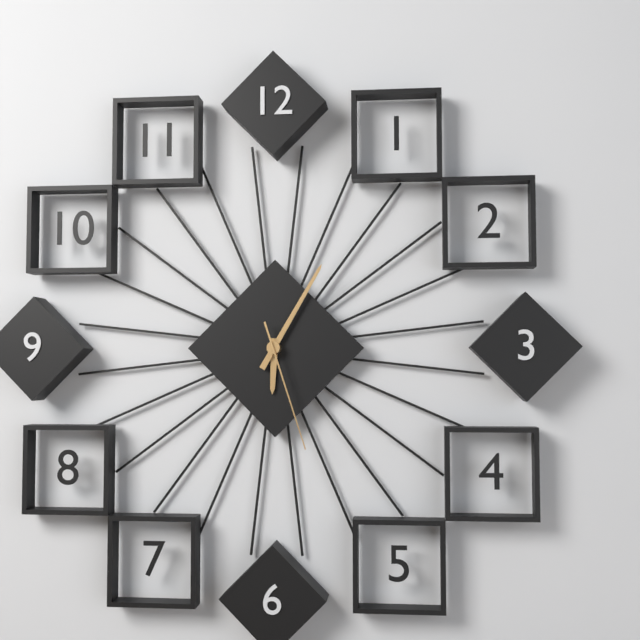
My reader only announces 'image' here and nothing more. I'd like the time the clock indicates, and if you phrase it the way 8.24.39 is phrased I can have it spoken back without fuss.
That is 6.05.27
